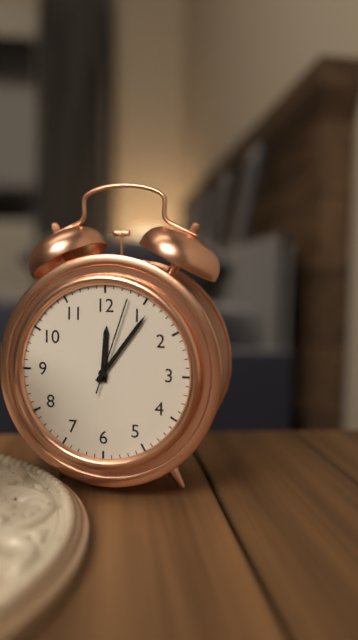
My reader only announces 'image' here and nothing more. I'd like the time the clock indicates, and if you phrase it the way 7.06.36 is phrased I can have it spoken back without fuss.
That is 12.06.03
